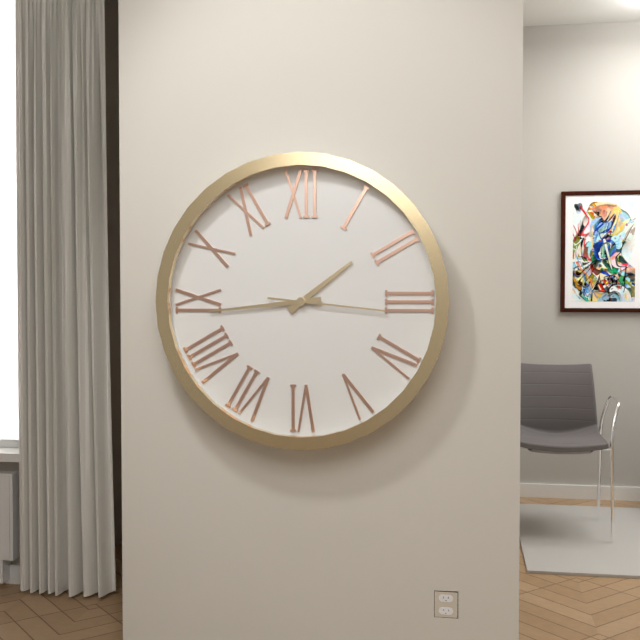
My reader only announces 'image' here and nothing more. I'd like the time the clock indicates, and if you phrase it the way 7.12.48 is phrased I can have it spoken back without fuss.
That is 1.44.16
